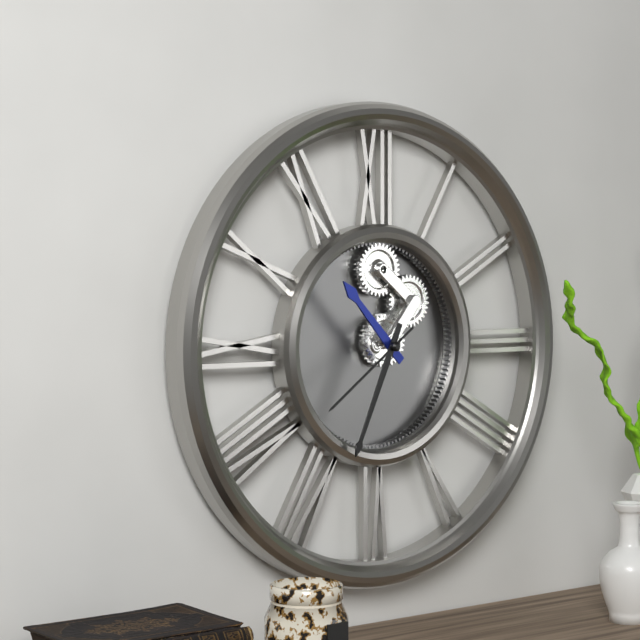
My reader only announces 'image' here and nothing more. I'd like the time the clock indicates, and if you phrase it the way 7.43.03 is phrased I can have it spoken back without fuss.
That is 10.34.39
